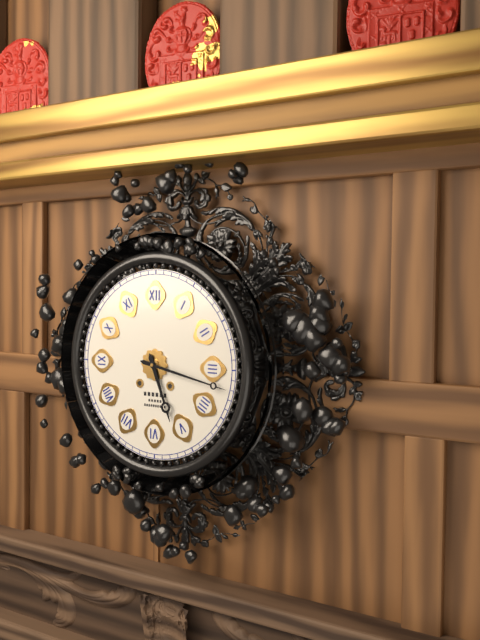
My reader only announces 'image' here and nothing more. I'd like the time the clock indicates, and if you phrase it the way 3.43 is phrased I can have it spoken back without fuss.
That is 5.17
